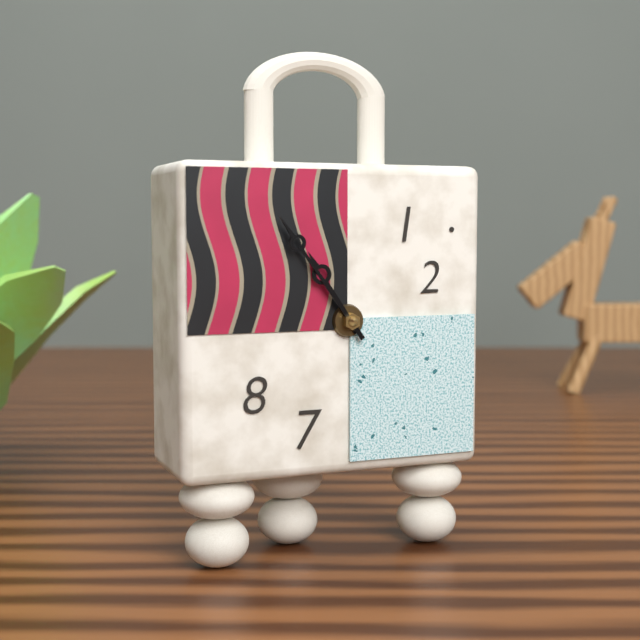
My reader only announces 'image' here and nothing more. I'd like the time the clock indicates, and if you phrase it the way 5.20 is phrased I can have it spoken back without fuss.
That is 10.54
